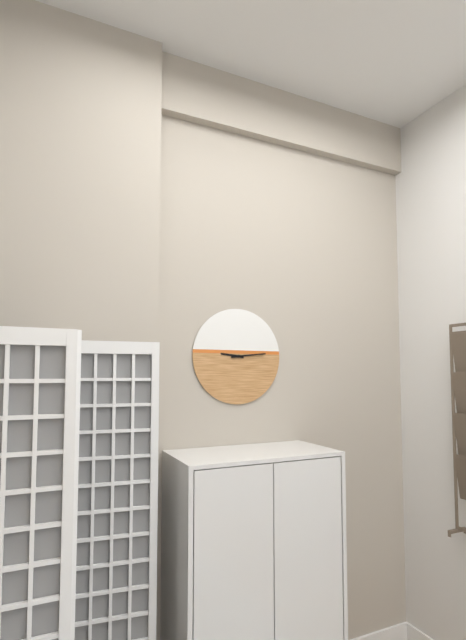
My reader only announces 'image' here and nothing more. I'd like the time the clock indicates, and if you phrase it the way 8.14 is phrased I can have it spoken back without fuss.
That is 9.14
